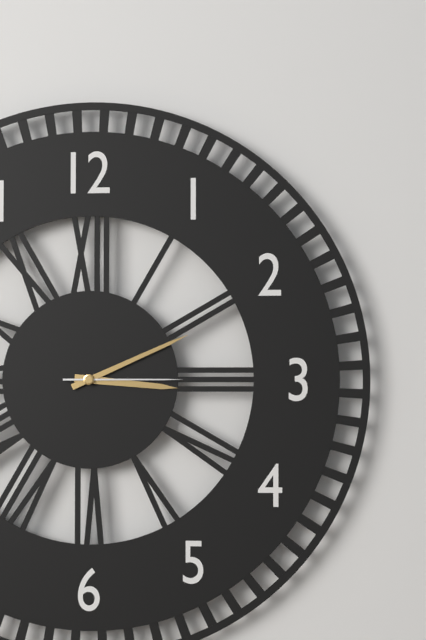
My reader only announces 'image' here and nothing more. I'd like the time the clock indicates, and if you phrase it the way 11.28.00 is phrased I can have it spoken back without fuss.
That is 3.11.15
